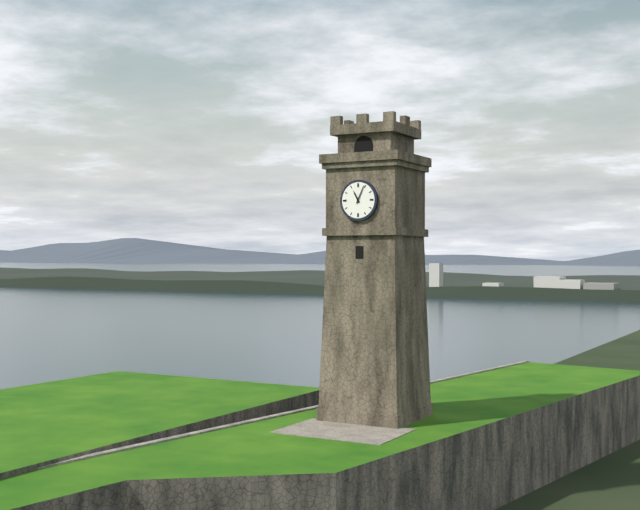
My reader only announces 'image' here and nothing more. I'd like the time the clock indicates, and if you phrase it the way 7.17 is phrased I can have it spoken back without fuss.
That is 11.04
